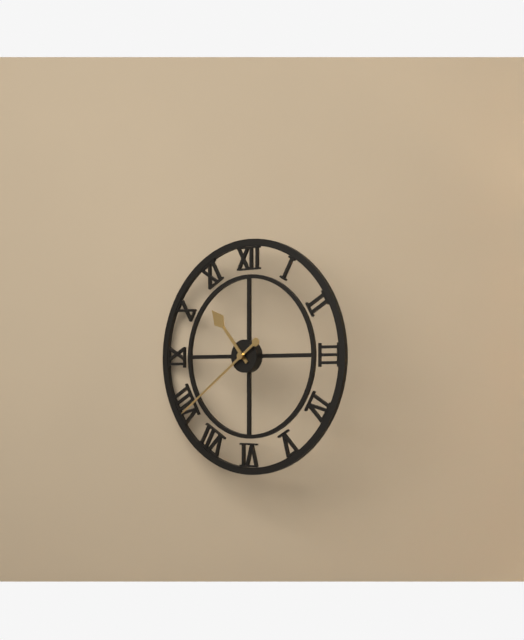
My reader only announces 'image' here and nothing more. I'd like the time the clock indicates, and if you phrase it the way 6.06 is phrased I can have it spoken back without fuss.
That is 10.39
